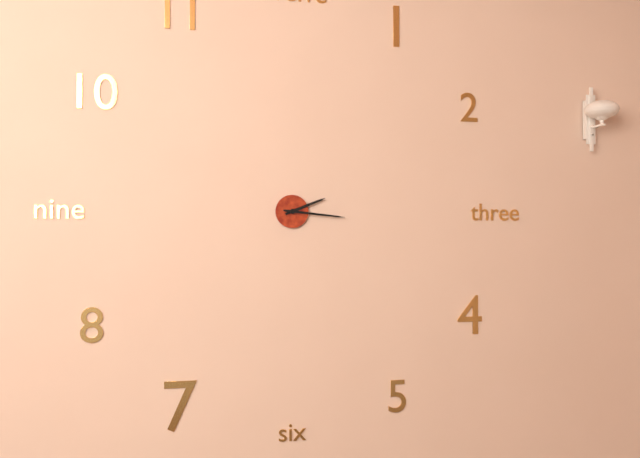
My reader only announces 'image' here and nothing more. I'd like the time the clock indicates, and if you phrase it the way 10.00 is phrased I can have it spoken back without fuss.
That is 2.16
